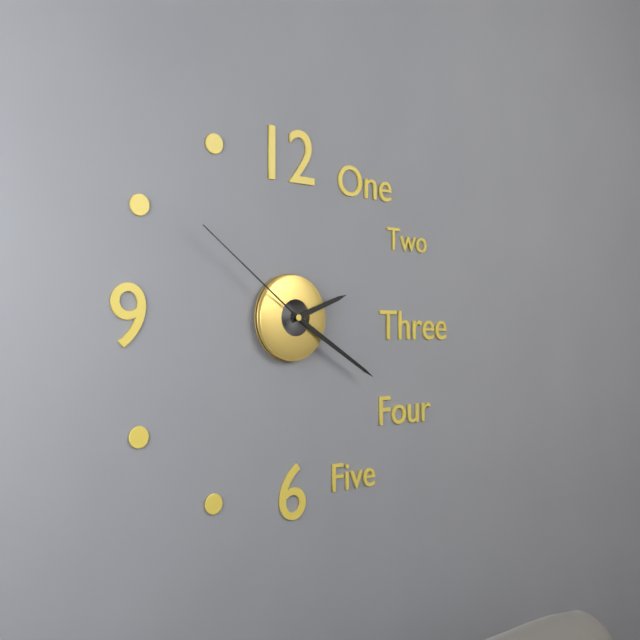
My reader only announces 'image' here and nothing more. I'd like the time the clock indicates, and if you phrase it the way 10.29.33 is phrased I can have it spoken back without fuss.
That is 2.20.51
